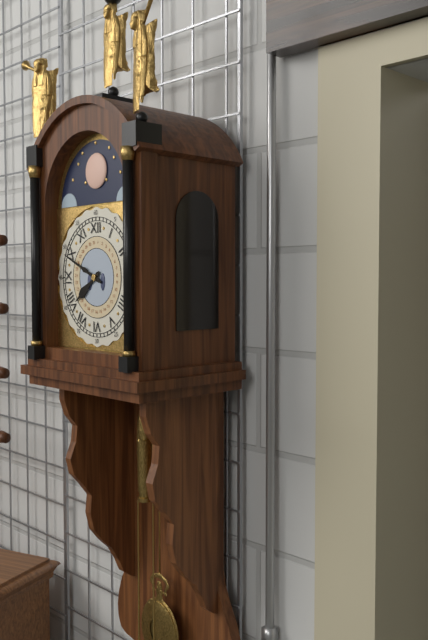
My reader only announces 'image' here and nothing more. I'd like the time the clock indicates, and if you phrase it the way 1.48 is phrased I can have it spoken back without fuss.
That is 7.49
